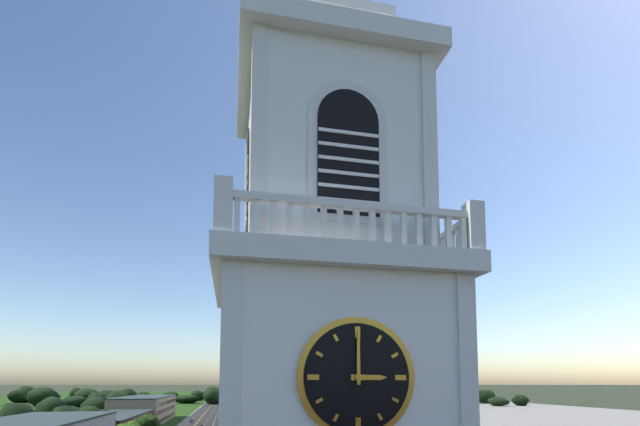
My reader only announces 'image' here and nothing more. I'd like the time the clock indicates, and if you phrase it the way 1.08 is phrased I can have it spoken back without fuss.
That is 3.00
